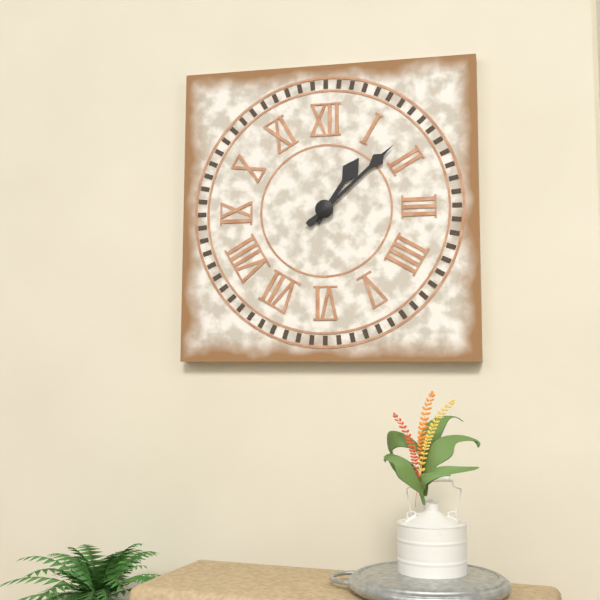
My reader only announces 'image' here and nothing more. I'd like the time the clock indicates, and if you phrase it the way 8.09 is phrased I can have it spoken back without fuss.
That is 1.08
